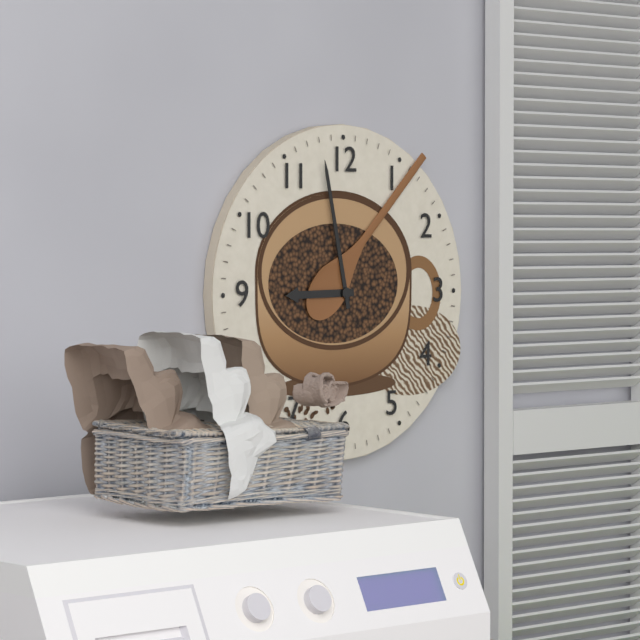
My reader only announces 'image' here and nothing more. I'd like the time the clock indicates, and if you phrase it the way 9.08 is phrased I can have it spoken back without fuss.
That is 8.58
